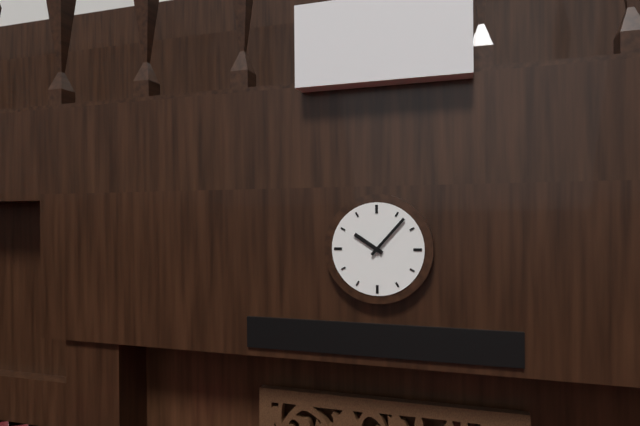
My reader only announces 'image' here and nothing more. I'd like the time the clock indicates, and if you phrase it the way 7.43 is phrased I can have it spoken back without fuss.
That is 10.07
